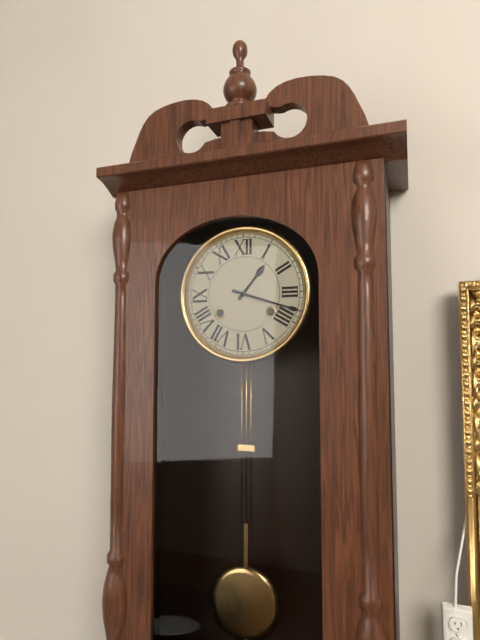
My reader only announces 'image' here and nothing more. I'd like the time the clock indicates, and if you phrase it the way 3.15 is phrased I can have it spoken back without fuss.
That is 1.18
